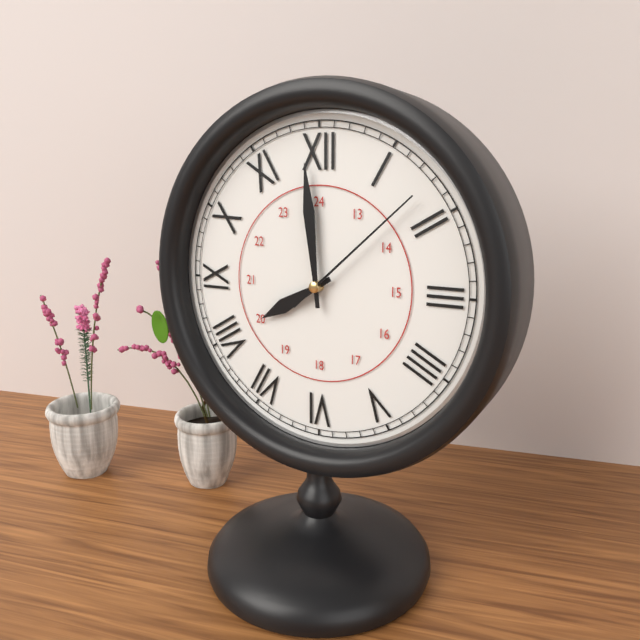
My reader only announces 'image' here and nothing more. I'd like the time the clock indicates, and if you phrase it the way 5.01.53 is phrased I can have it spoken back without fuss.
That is 7.59.08
